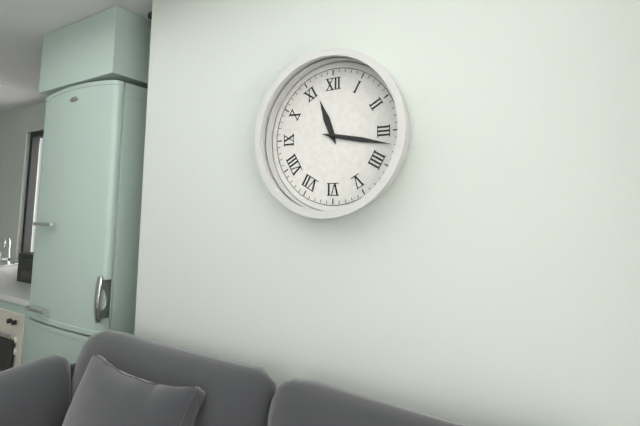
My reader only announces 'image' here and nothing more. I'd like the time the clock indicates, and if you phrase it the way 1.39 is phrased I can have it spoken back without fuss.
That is 11.17
